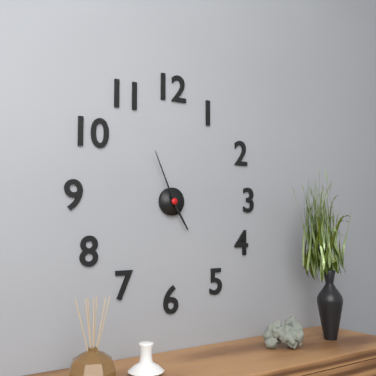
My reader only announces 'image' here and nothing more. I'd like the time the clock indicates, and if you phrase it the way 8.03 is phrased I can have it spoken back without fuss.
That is 4.56
